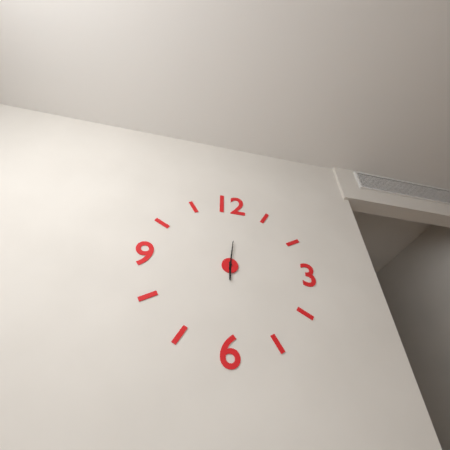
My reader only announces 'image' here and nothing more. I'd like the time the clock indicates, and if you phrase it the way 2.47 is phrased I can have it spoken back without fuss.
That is 6.01
